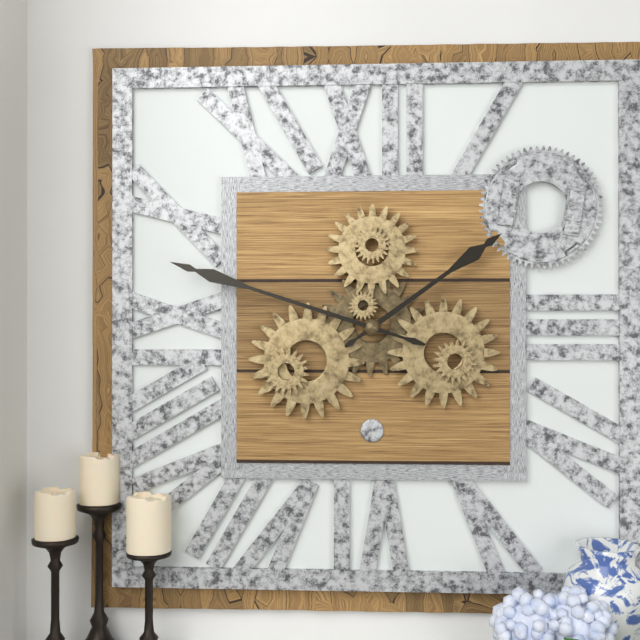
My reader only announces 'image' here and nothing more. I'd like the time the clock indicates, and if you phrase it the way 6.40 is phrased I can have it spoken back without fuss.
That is 1.48
